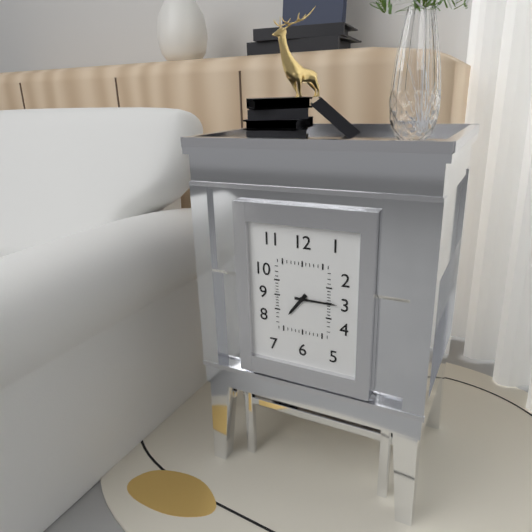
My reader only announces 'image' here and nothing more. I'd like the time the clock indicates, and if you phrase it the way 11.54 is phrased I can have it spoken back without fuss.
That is 7.15
